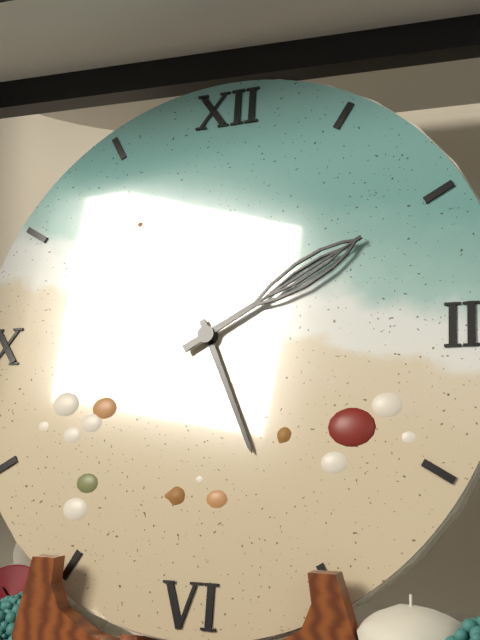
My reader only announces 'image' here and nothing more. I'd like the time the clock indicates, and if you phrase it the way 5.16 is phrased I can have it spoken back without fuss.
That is 5.10
